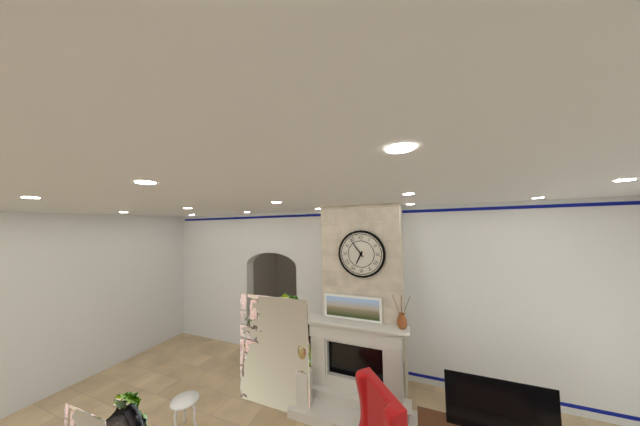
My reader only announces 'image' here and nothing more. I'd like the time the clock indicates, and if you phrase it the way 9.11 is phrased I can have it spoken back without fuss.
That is 6.54
